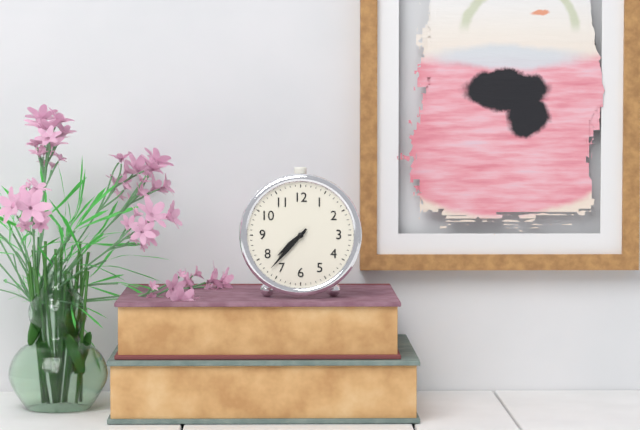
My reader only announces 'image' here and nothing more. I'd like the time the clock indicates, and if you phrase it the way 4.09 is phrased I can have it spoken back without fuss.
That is 7.37
